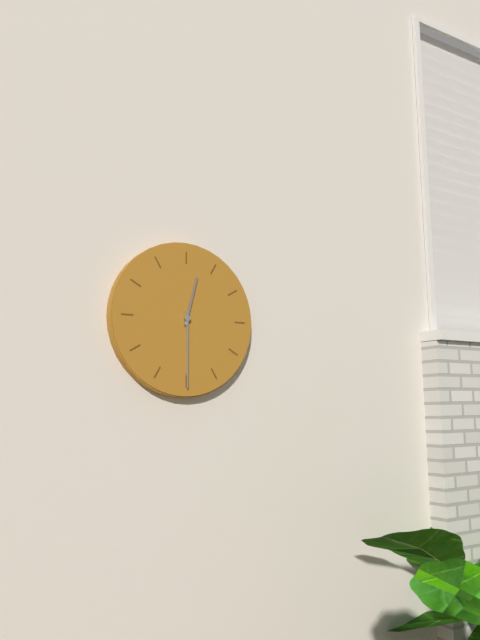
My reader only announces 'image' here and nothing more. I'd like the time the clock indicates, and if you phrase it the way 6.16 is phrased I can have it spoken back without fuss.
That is 12.30
